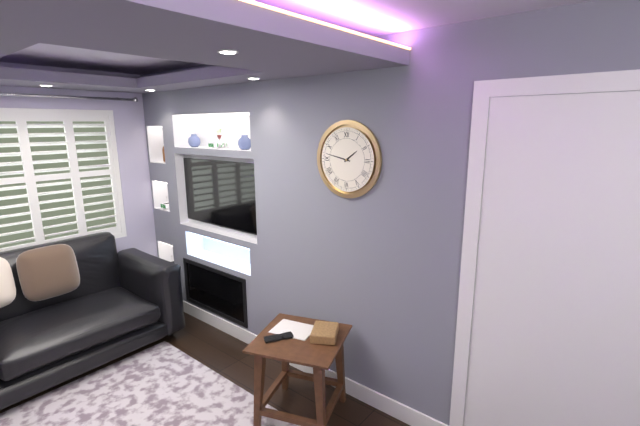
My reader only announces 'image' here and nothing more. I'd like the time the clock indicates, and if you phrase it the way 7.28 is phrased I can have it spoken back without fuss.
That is 1.47
